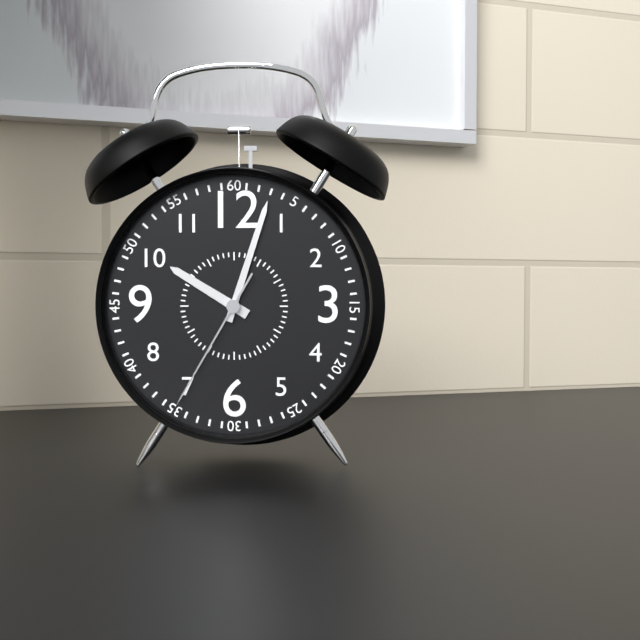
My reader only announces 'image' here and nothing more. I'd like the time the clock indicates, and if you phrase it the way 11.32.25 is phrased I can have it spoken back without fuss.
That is 10.03.35
